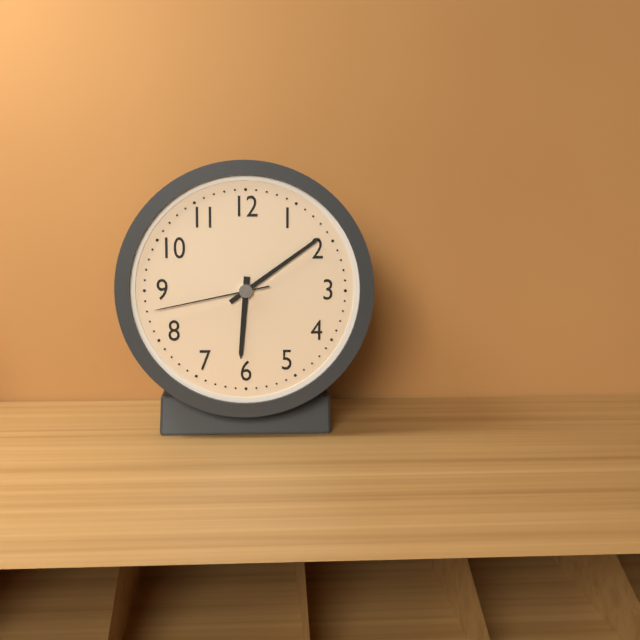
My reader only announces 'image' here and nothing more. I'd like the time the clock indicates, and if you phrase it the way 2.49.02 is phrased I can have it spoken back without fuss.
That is 6.09.43
